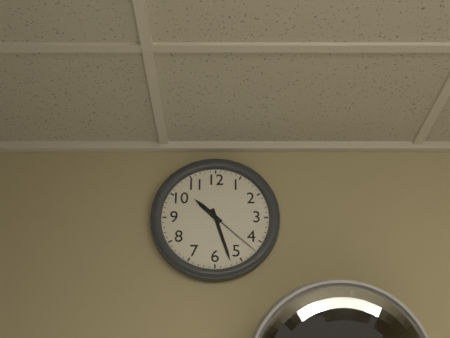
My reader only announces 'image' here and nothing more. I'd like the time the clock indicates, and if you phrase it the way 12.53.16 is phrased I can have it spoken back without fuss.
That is 10.27.22
